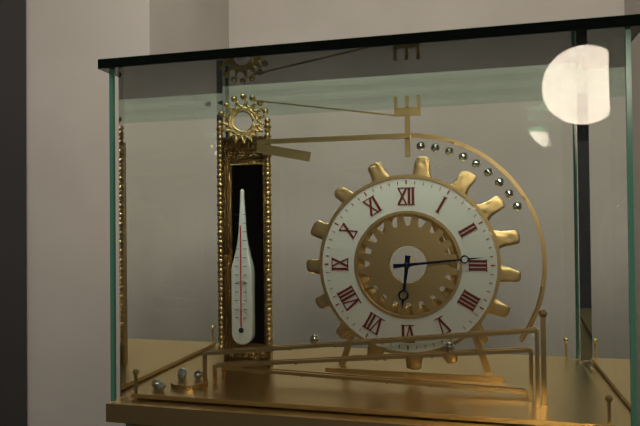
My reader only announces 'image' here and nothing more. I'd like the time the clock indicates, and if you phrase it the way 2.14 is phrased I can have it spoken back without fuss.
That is 6.14
